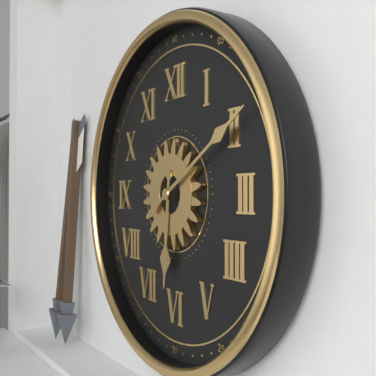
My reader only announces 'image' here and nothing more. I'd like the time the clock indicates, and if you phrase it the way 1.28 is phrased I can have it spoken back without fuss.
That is 6.10
